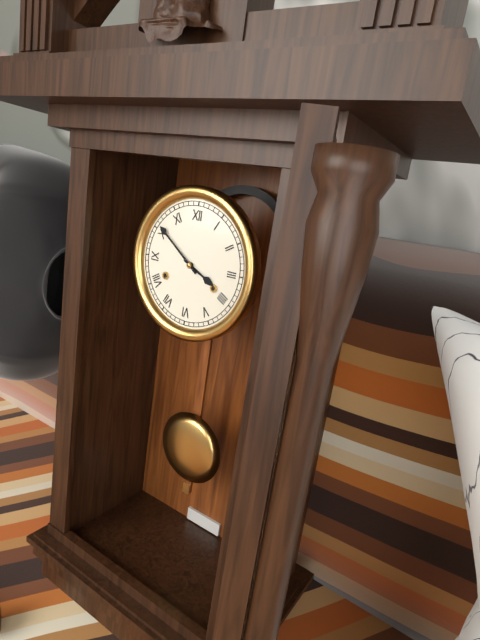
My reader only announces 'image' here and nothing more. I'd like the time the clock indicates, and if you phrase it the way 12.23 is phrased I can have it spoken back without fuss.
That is 3.51
